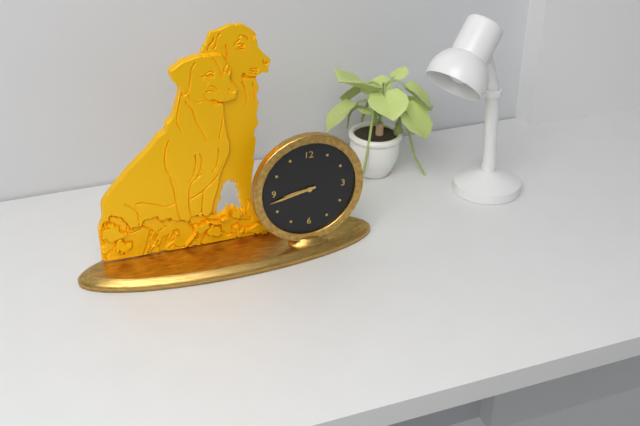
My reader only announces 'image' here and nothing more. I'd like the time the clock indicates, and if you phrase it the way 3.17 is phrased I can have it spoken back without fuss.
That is 8.43
